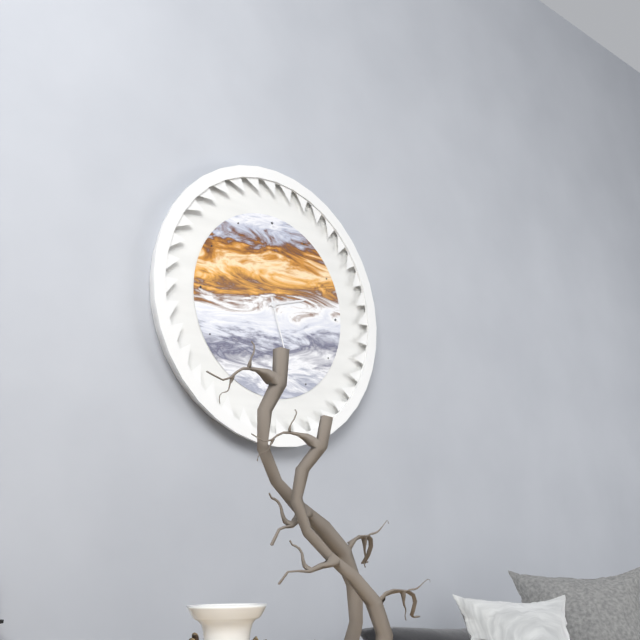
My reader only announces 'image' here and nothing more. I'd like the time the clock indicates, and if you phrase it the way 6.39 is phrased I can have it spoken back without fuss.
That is 2.27
